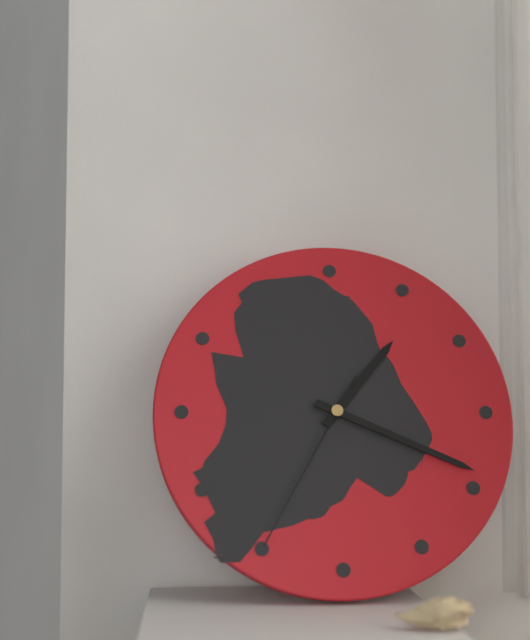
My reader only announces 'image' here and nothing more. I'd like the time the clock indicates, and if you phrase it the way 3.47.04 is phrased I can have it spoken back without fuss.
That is 1.19.35
